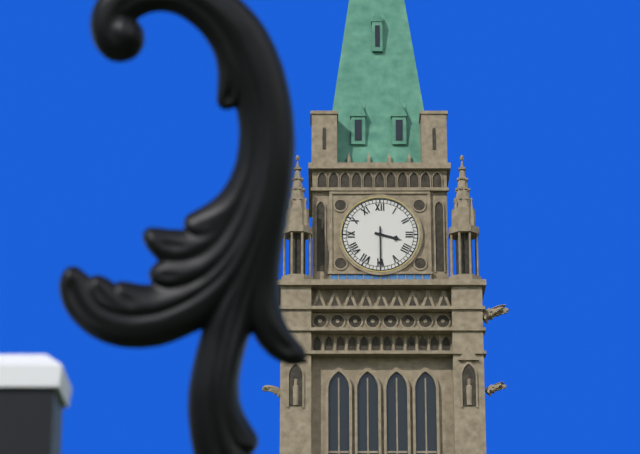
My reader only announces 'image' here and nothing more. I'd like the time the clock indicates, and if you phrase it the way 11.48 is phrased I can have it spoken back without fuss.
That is 3.30
